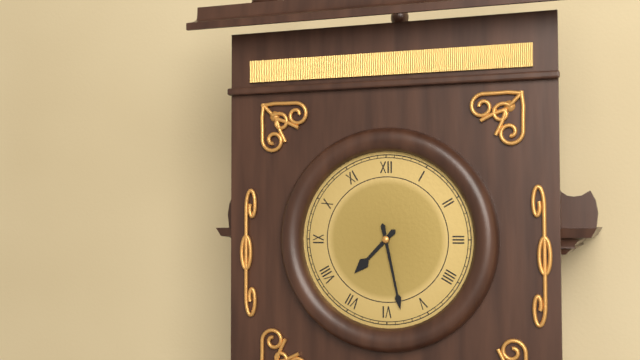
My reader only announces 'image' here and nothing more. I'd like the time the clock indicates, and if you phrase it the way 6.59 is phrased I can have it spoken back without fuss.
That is 7.28
